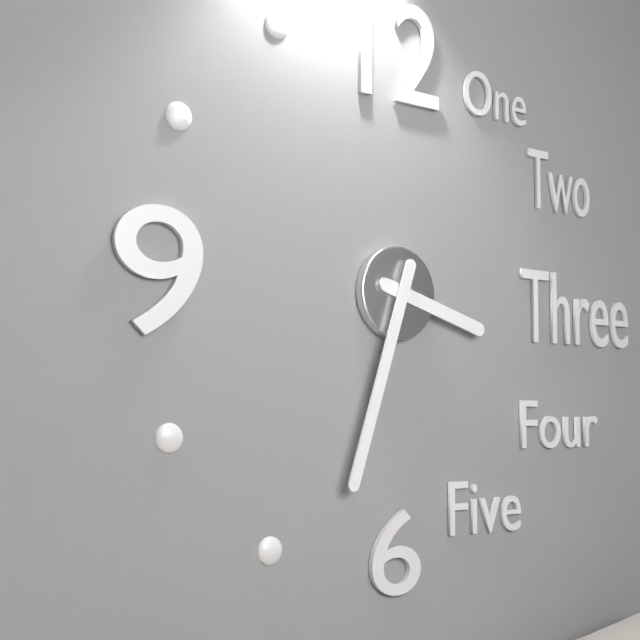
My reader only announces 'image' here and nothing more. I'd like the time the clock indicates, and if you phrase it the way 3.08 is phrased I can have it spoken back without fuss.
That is 3.33
